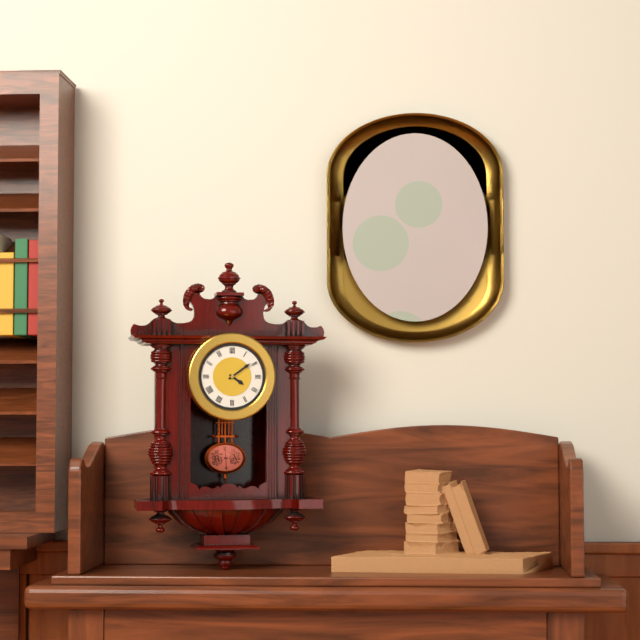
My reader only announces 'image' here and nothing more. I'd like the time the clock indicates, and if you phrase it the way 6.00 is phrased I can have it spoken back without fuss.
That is 4.09
